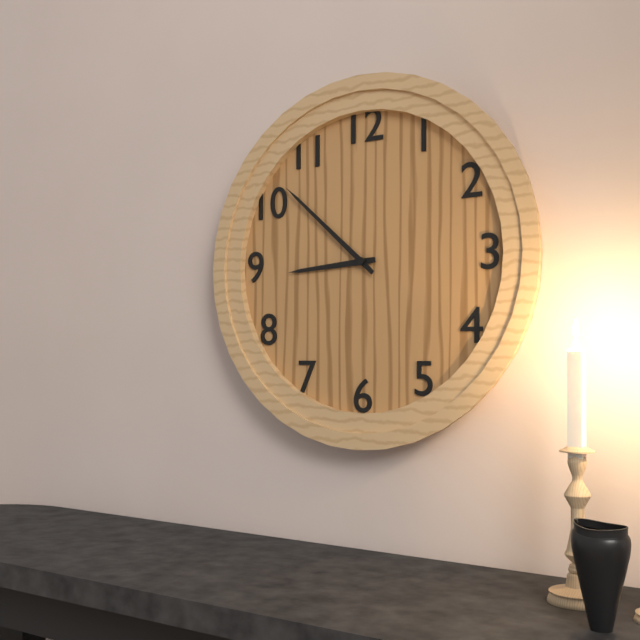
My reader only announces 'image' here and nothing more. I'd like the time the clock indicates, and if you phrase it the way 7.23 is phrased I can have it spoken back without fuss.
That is 8.52
